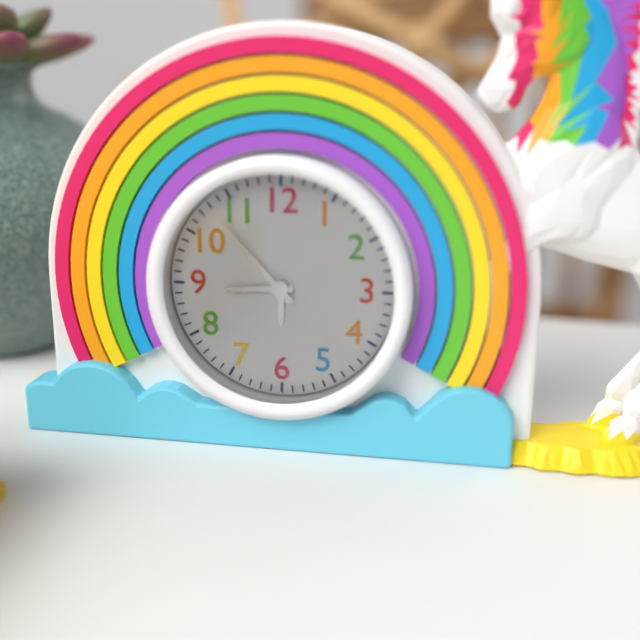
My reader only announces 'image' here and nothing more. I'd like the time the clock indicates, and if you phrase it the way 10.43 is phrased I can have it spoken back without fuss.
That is 8.53
